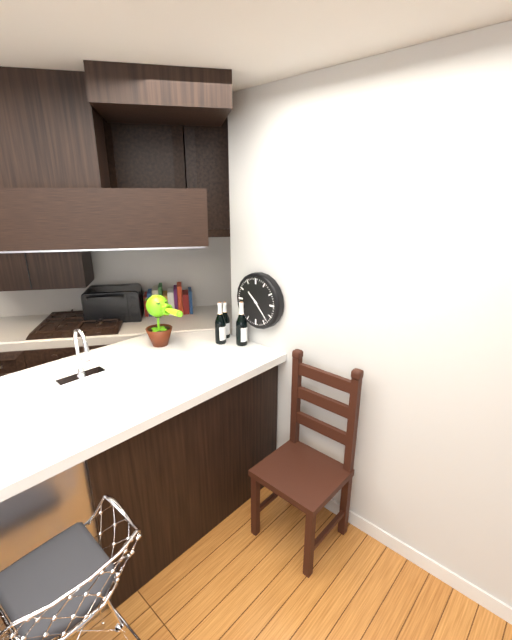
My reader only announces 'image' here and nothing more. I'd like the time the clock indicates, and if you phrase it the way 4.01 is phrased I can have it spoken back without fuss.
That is 10.23
